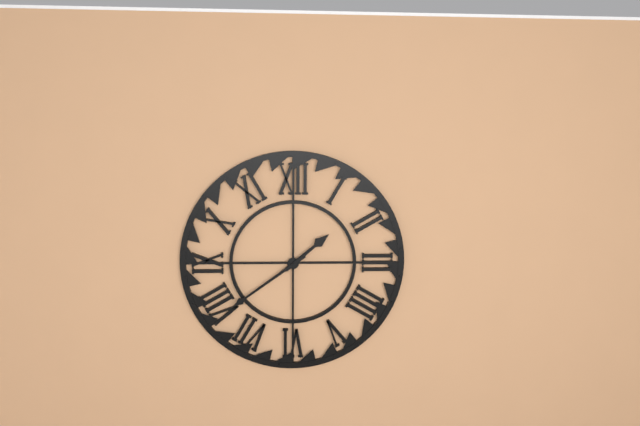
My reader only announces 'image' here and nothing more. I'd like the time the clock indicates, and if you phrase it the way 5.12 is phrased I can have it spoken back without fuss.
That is 1.39
